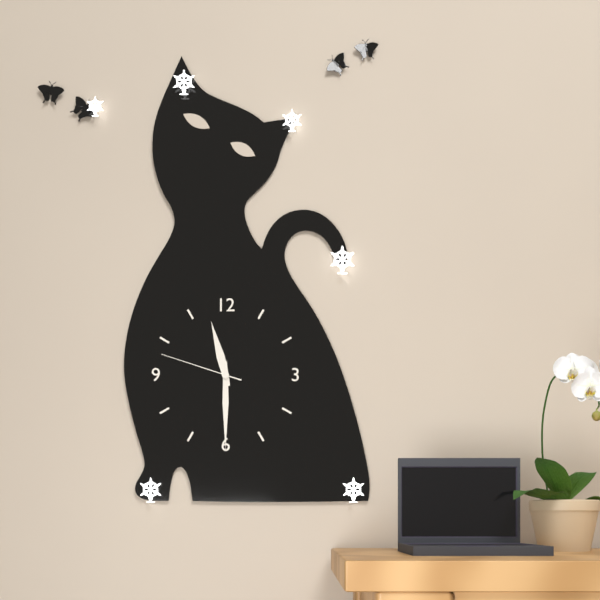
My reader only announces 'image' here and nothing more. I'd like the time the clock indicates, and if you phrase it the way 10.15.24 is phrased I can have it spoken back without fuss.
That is 11.30.48
